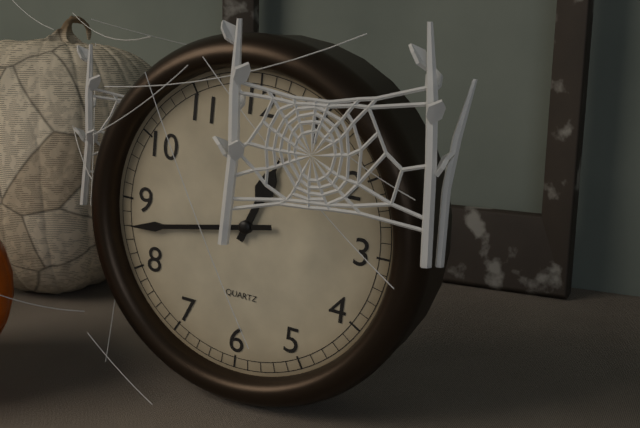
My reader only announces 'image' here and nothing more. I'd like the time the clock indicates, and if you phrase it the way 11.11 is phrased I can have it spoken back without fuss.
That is 12.43
